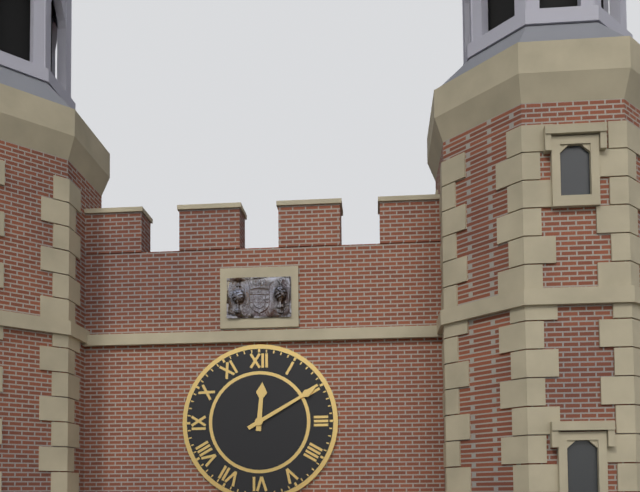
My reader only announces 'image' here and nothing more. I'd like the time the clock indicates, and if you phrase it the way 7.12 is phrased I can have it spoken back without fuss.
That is 12.10
